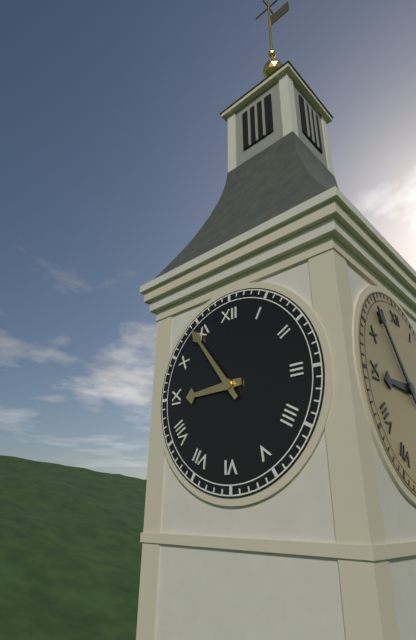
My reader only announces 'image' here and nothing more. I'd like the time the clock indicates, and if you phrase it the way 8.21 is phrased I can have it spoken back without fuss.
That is 8.54
